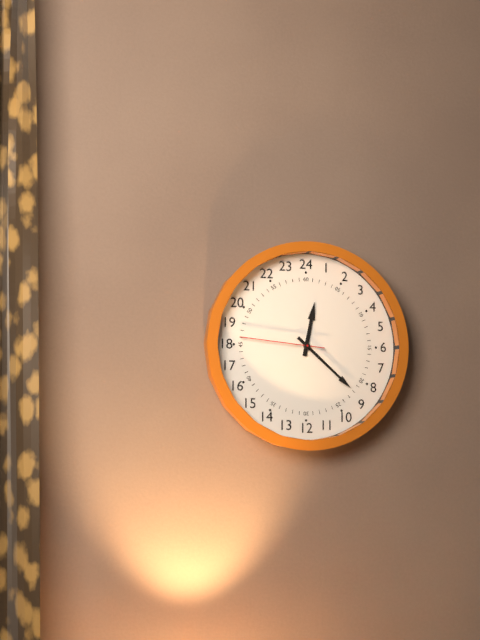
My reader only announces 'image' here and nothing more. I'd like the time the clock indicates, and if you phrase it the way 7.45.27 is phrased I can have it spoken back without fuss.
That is 12.22.46
